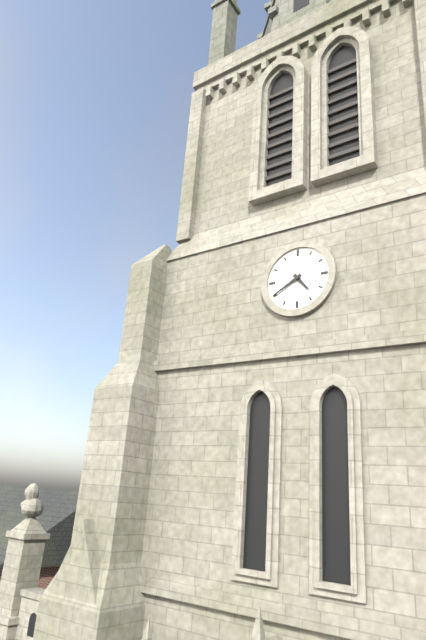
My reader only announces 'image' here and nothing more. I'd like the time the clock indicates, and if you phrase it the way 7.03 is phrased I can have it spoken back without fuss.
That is 4.40
